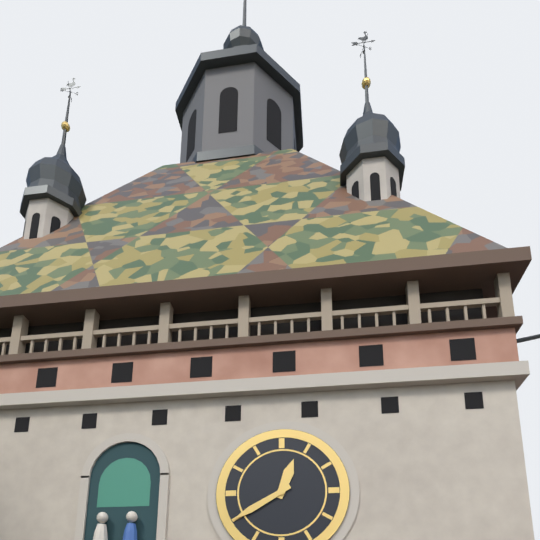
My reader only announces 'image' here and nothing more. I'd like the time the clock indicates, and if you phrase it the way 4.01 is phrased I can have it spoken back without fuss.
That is 12.40
